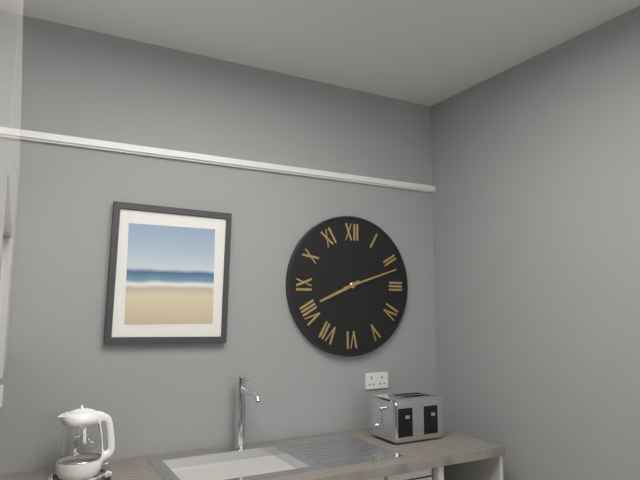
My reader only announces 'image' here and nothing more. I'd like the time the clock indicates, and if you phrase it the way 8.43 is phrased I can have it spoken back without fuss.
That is 8.12
